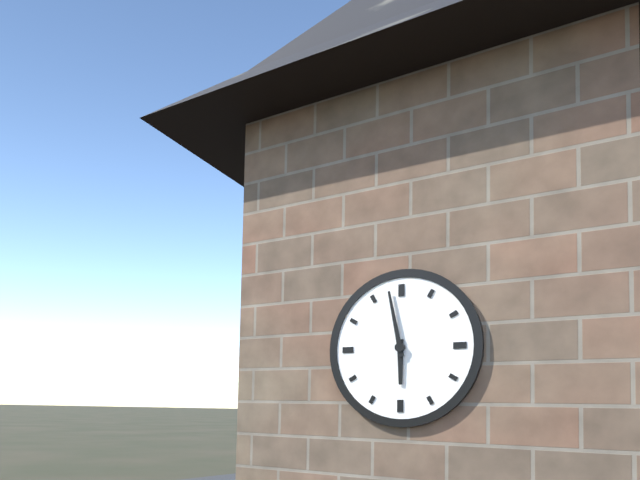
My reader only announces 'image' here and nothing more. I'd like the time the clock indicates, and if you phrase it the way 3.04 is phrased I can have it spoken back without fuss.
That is 5.58
